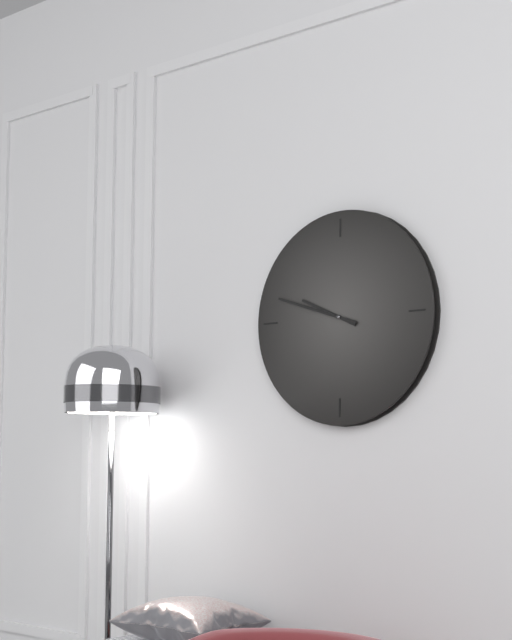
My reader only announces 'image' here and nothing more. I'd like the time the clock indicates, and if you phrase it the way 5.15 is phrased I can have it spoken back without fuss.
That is 9.48
